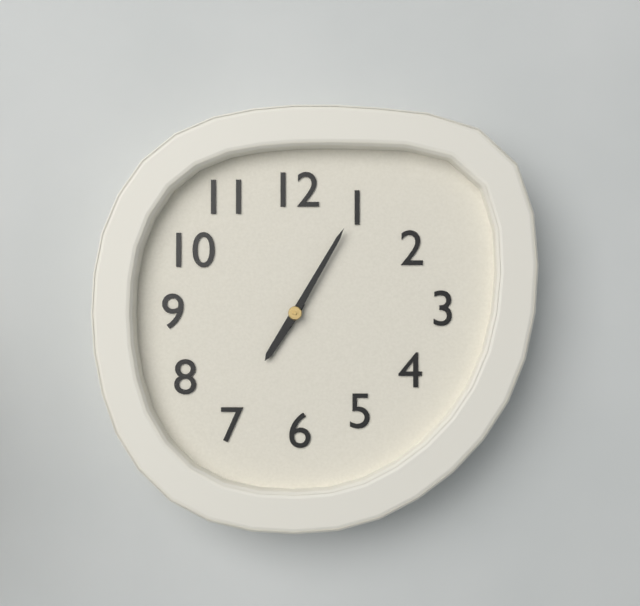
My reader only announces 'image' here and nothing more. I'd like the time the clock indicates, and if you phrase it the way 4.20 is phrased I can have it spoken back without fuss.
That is 7.05
